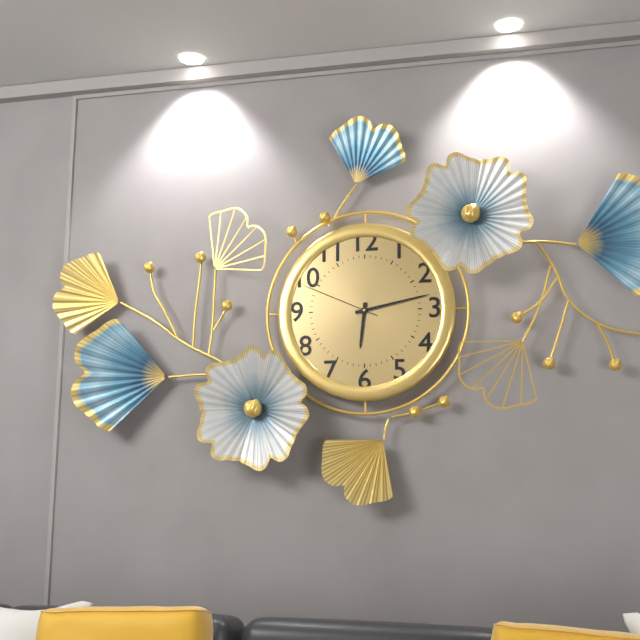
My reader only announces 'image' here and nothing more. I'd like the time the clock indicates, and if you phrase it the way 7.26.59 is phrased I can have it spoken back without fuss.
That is 6.13.49
